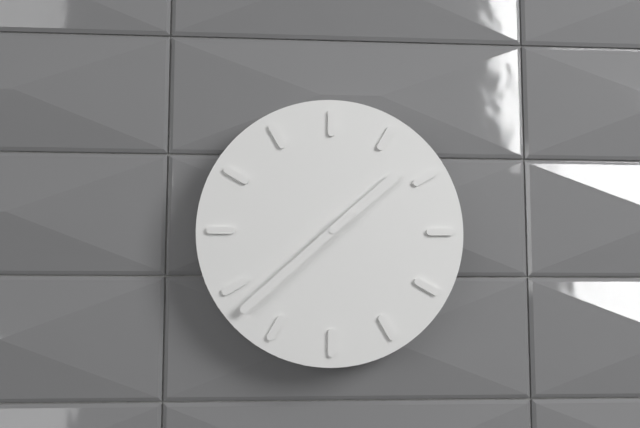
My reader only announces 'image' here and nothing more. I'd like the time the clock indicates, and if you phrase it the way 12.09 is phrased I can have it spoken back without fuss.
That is 1.38
